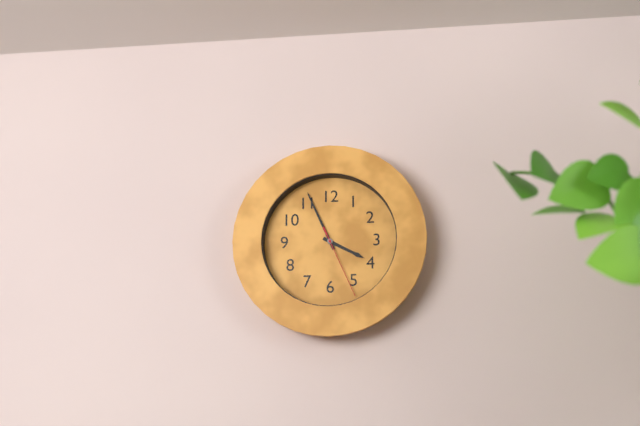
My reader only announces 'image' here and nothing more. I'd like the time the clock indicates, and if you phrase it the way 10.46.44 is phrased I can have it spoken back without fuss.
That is 3.56.26
